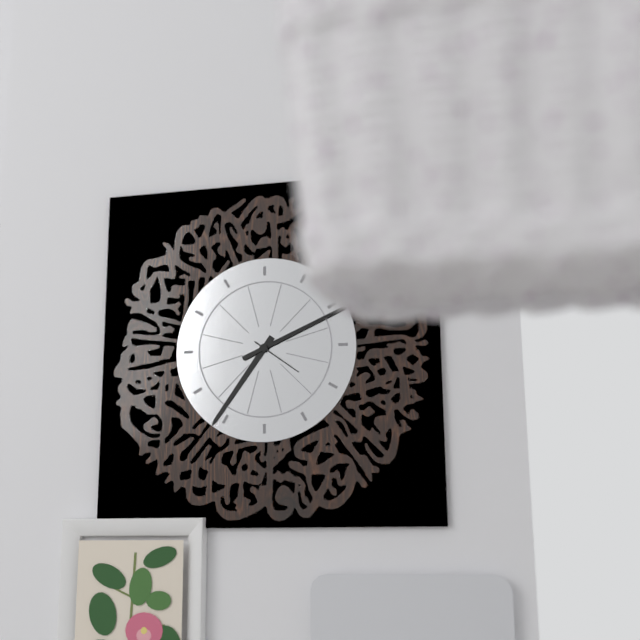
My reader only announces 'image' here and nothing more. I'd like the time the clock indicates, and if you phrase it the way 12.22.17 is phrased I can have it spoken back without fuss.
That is 7.11.21
